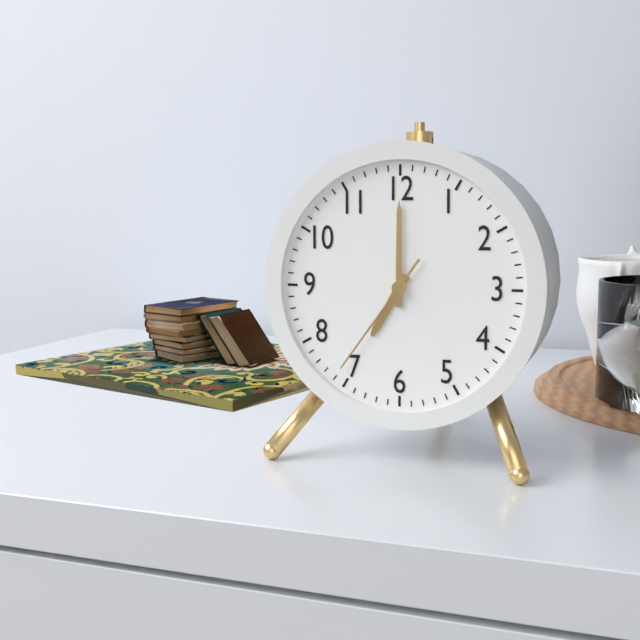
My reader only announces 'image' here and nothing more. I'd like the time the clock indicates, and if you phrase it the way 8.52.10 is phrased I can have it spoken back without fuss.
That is 7.00.36
